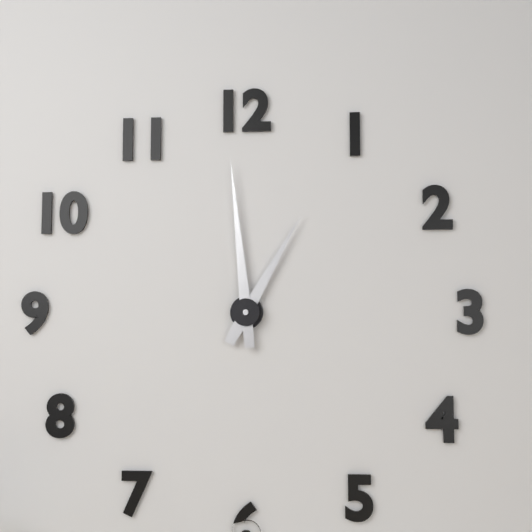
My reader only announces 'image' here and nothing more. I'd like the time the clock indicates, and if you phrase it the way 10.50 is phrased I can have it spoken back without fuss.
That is 12.59
